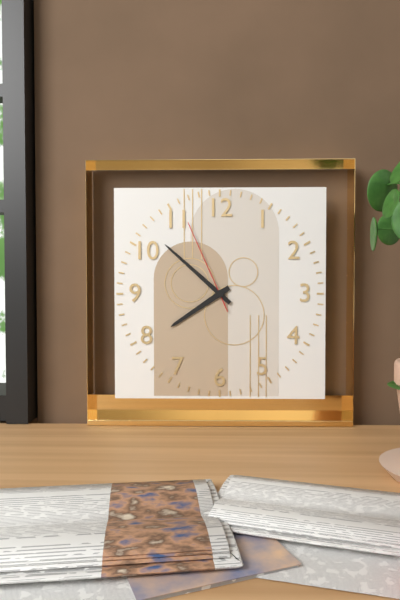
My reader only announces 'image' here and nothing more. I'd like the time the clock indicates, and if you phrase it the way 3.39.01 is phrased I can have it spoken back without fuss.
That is 7.52.56
